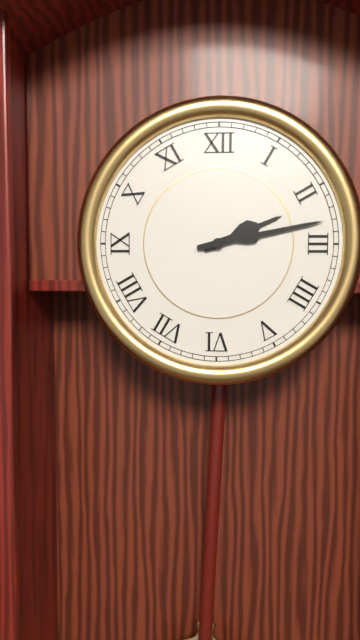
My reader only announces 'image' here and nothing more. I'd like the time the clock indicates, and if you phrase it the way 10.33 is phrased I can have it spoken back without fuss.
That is 2.13
